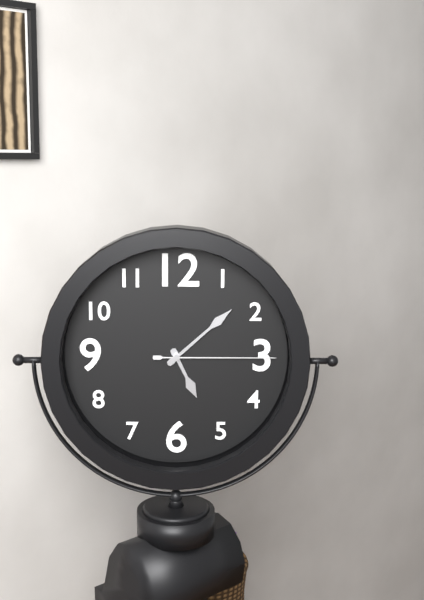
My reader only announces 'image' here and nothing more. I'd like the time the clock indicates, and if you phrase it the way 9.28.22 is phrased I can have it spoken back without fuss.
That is 5.08.15
